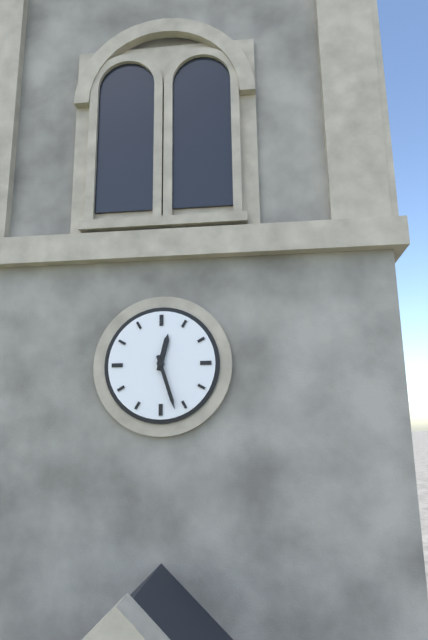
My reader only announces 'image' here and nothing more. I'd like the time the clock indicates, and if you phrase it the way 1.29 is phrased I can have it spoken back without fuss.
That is 12.27
